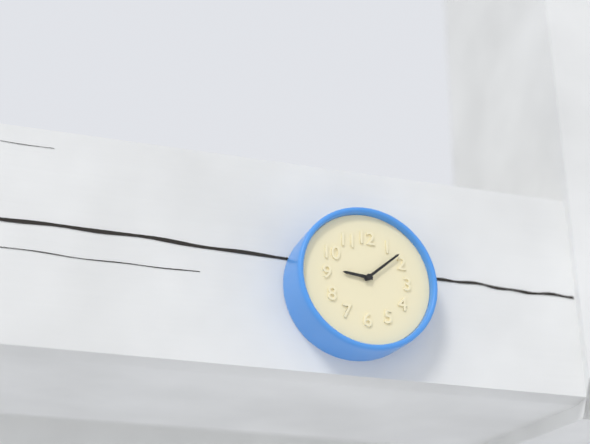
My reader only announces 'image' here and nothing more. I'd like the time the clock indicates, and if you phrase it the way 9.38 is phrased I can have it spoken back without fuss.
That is 9.08
